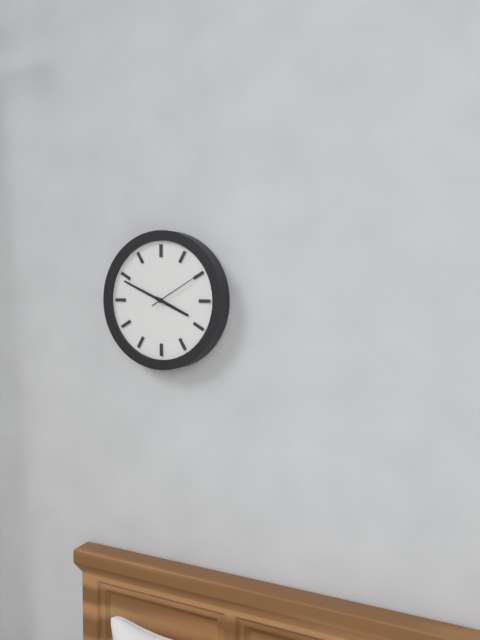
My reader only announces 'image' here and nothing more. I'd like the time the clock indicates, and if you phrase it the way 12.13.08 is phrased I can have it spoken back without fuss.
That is 3.49.10
